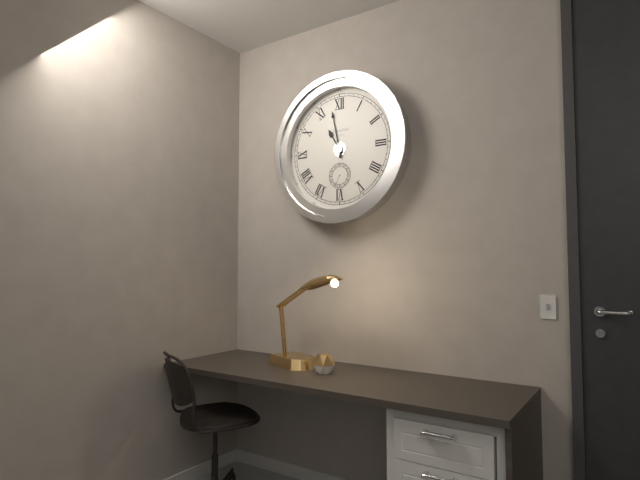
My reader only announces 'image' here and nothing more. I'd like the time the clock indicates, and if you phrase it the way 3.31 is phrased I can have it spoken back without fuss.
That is 10.58
